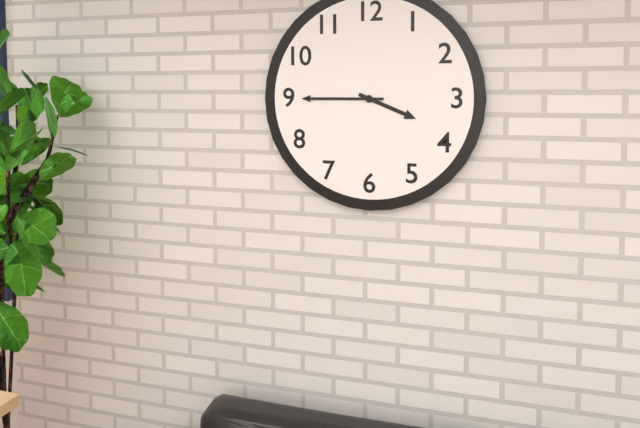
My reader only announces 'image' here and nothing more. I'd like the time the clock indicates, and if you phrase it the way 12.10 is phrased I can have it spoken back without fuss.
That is 3.45
